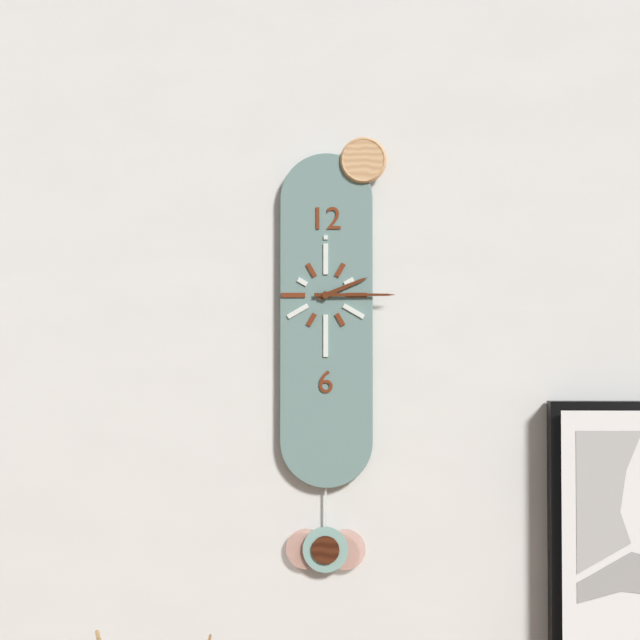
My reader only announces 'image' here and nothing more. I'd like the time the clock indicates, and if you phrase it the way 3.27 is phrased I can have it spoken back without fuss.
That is 2.15
